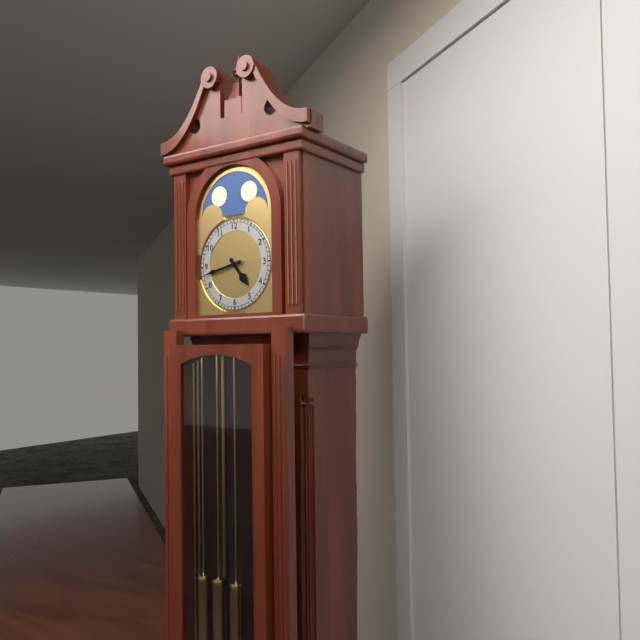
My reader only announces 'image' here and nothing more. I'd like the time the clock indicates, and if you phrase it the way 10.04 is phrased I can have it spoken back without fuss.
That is 4.43
